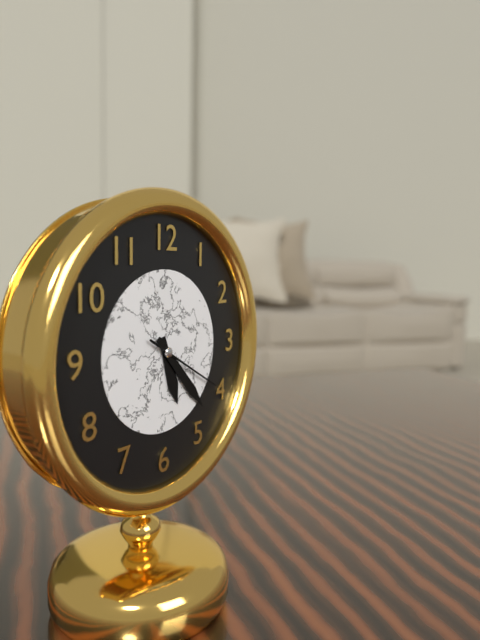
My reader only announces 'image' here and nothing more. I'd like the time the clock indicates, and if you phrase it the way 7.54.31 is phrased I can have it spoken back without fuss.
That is 5.23.20
